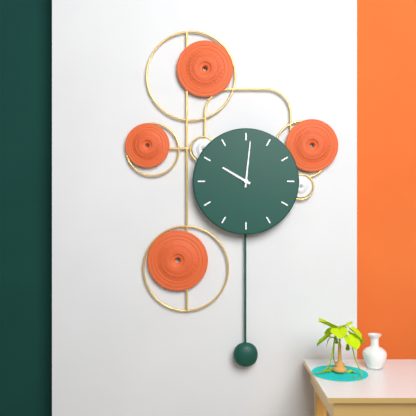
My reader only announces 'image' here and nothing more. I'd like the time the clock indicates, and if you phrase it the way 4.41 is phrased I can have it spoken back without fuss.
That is 10.01
